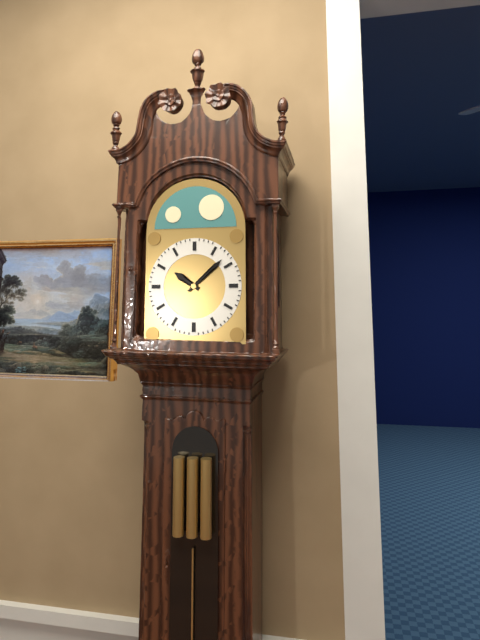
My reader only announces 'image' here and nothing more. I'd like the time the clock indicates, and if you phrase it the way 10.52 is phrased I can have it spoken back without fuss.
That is 10.08
